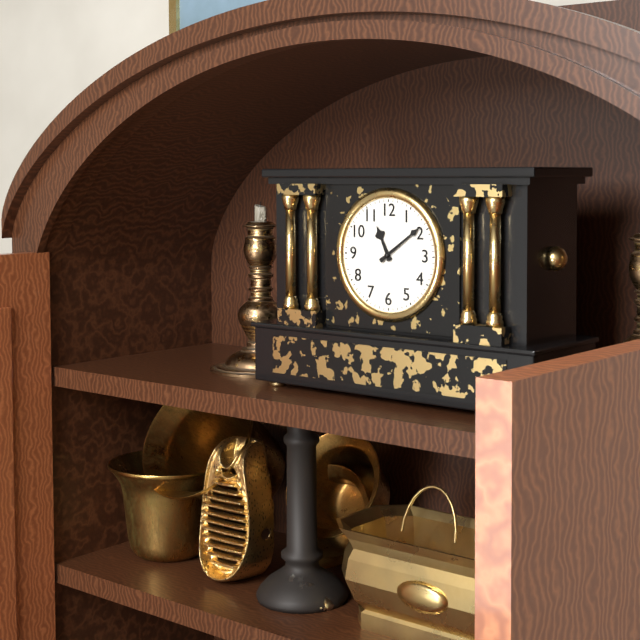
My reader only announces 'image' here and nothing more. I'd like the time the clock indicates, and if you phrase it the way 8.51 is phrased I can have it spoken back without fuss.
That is 11.09
